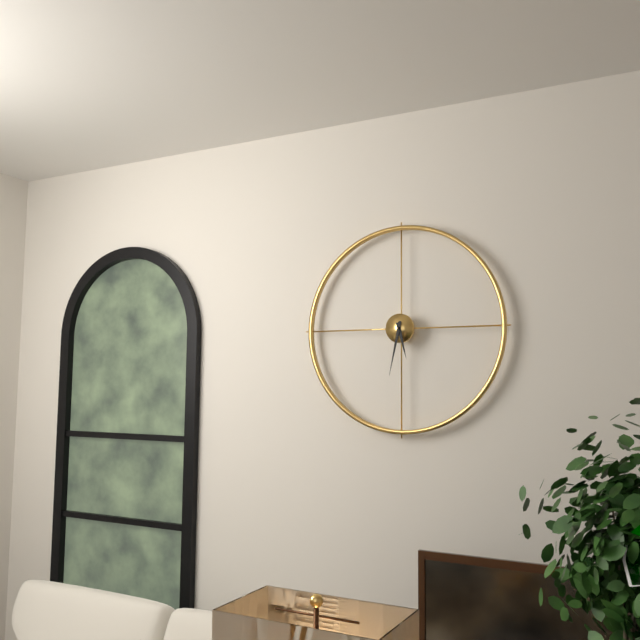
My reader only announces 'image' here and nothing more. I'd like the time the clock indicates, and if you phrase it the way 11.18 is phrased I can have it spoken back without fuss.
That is 5.32
